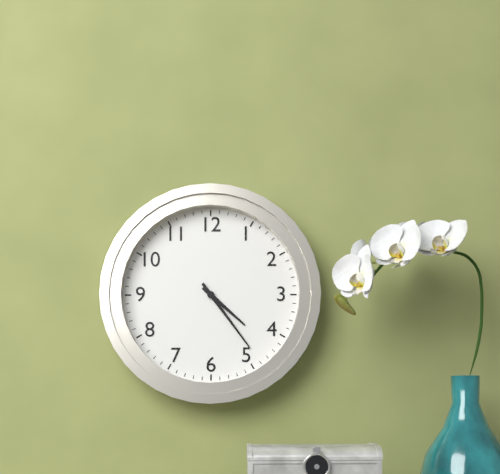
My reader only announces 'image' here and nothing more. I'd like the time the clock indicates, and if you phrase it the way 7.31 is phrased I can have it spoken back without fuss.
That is 4.24
